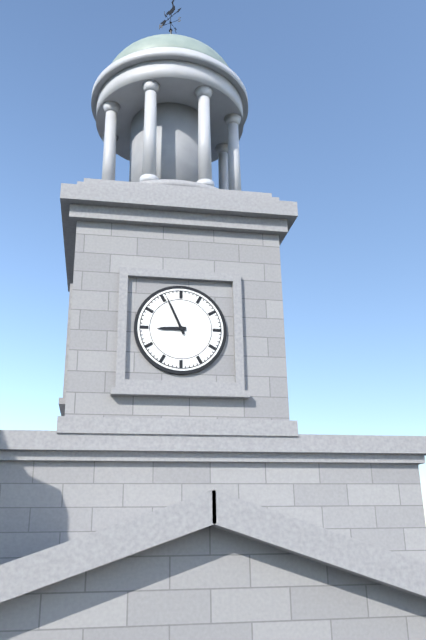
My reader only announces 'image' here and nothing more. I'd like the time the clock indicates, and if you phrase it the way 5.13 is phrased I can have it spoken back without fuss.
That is 8.56
